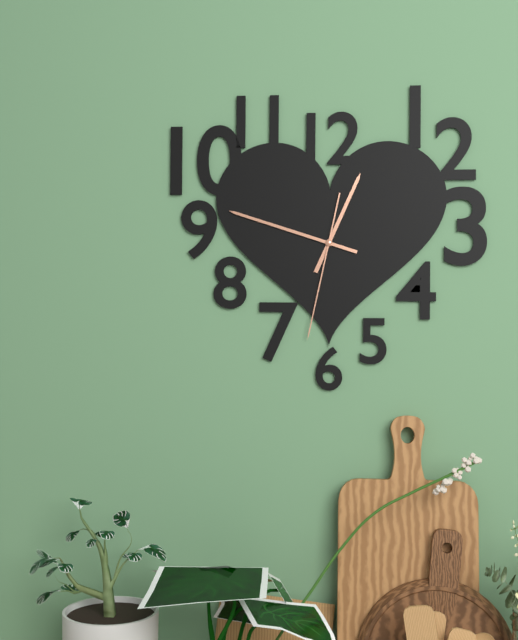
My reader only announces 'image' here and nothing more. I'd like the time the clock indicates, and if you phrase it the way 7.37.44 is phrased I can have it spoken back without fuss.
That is 12.48.32
